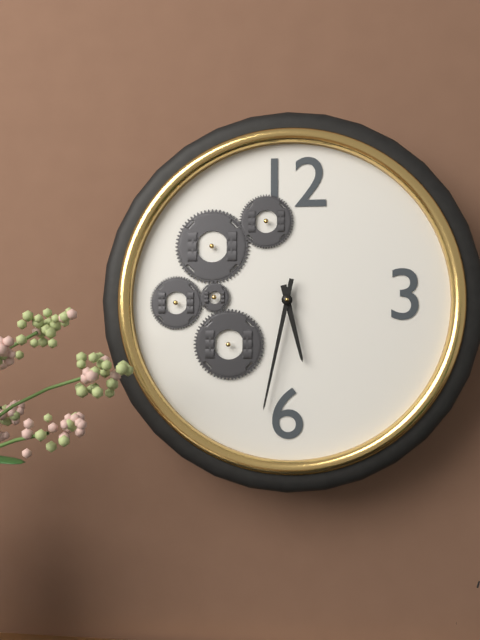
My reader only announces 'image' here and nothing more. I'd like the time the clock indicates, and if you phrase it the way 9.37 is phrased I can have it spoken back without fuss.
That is 5.32
